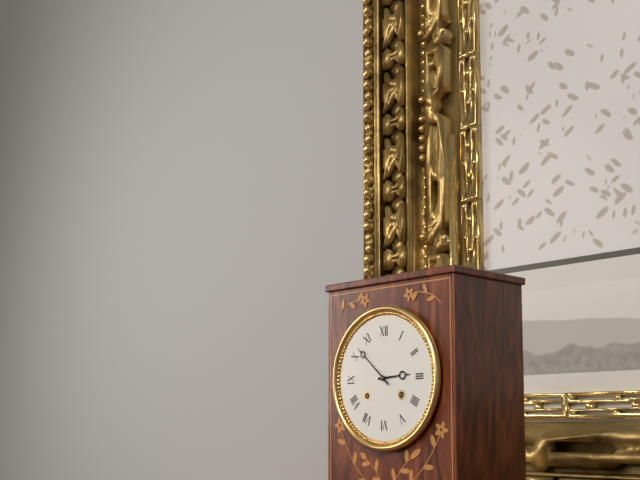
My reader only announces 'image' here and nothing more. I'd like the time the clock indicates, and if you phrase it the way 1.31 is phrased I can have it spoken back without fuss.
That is 2.52
